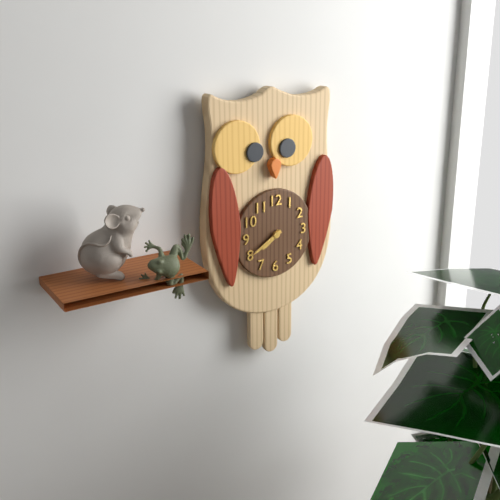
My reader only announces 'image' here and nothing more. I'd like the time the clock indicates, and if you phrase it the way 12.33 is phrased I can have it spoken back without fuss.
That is 7.40
